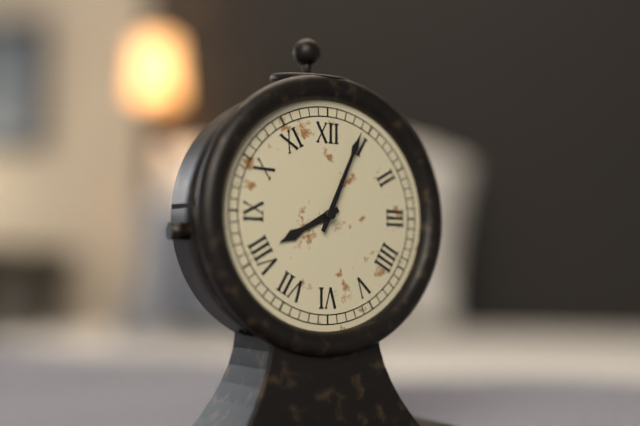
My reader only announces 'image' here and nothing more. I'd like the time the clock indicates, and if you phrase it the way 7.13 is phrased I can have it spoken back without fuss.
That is 8.04
